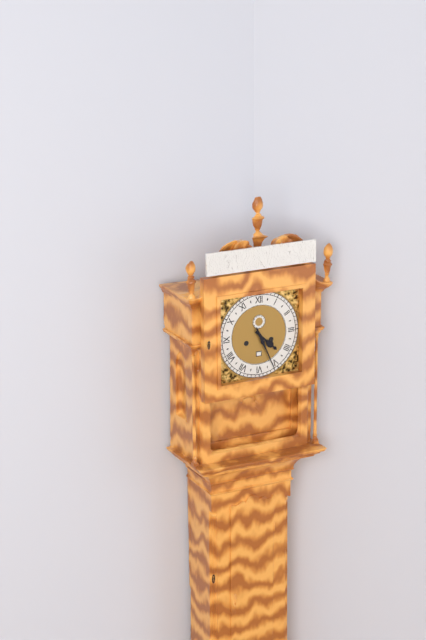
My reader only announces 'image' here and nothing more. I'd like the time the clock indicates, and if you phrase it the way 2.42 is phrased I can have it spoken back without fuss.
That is 4.26
